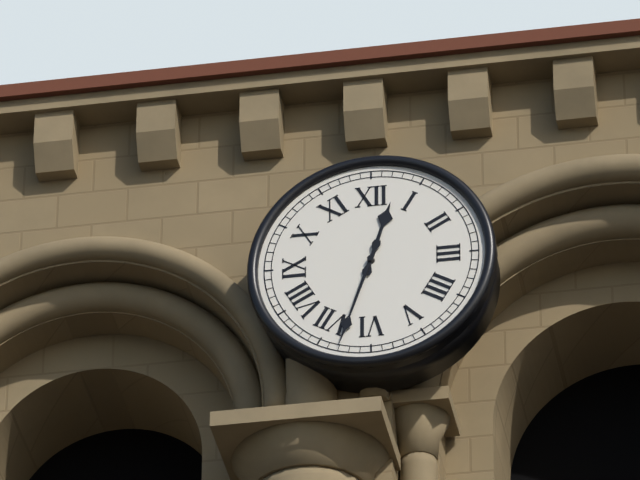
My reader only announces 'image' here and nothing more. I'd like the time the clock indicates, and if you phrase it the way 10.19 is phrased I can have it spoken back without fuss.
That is 12.33
